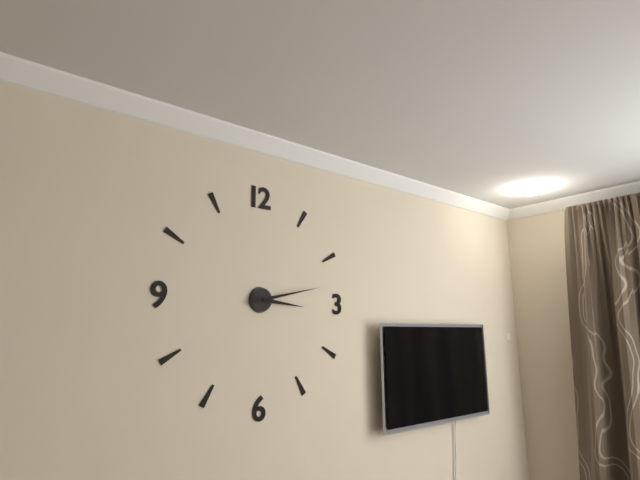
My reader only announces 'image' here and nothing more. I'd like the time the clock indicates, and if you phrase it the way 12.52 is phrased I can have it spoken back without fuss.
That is 3.13
